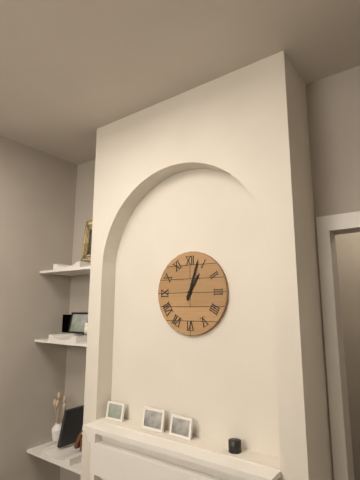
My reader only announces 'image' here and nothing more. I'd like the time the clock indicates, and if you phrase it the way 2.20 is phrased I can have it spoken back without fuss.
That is 1.03
